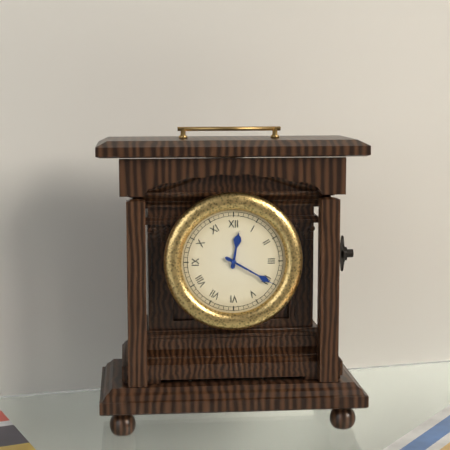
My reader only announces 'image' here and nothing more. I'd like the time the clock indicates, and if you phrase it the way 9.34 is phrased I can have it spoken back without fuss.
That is 12.20
